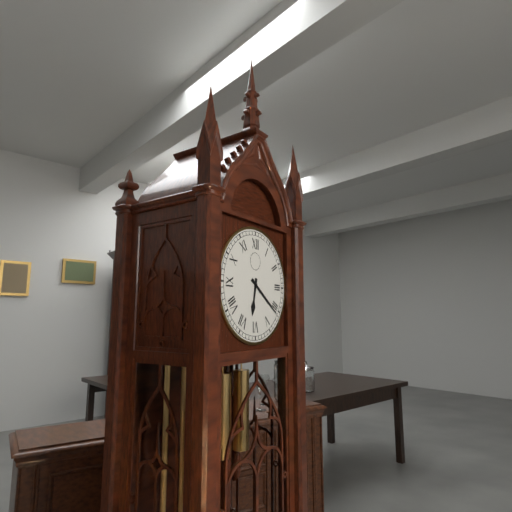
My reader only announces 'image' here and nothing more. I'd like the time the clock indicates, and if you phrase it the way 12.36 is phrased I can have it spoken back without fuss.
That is 6.21
